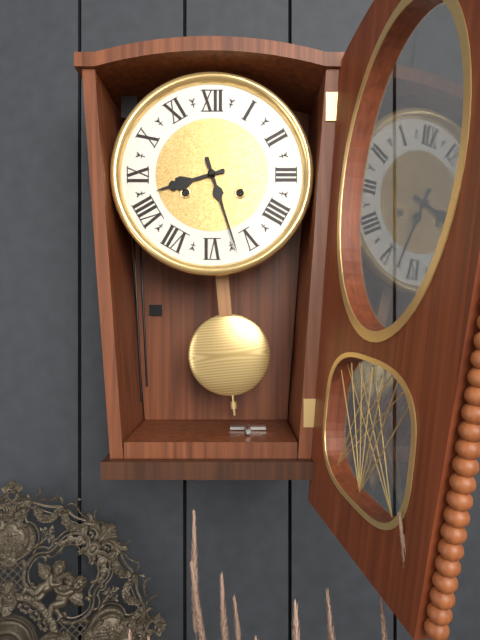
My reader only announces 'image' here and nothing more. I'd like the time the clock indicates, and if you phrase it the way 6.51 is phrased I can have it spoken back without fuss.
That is 8.27
